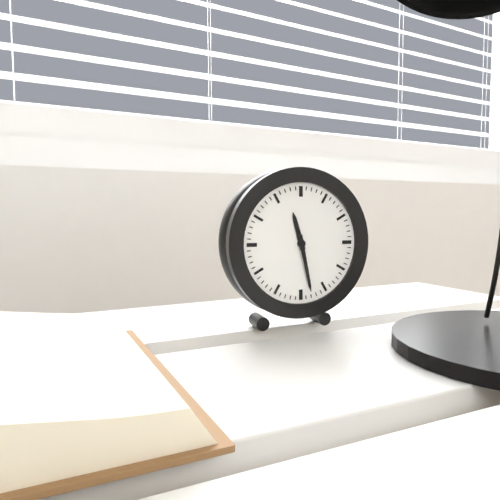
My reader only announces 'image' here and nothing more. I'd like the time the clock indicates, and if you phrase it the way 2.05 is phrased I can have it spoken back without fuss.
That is 11.28
